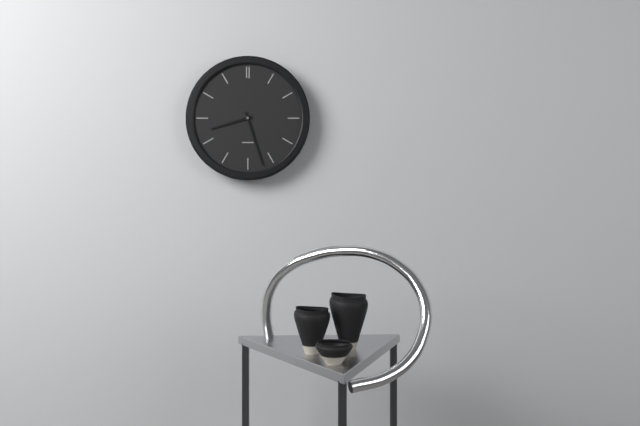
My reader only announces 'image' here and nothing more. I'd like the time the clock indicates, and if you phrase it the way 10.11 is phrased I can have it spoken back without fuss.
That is 8.27
